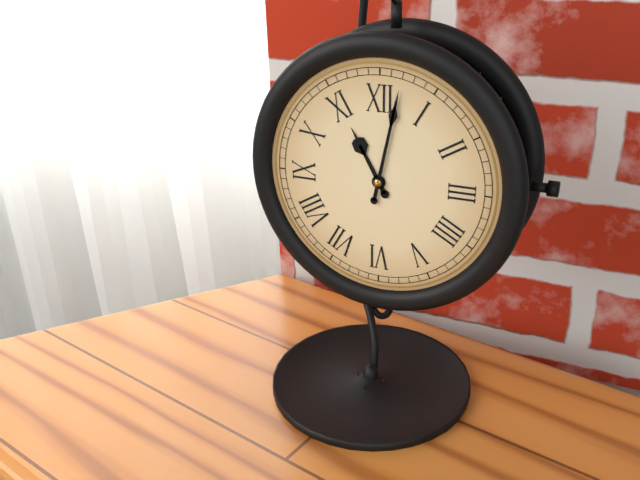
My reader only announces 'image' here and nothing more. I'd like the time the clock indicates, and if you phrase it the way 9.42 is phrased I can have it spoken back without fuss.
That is 11.02
